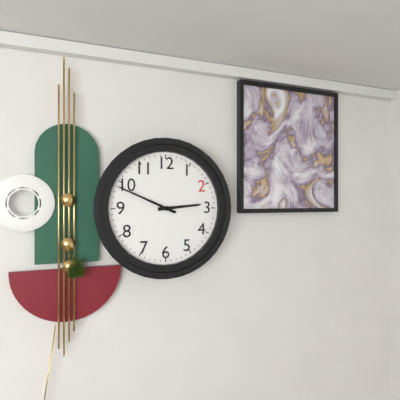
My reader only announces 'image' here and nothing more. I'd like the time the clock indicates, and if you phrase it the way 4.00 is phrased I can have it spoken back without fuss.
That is 2.49
